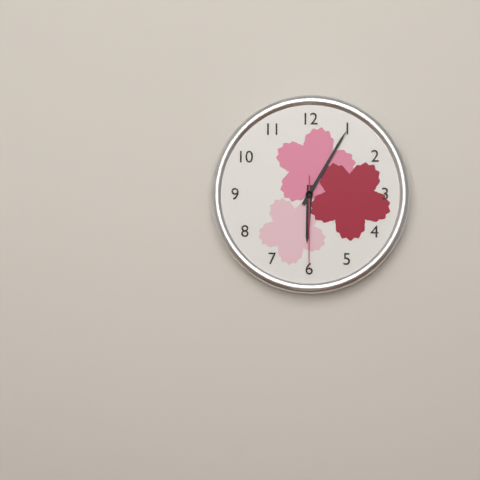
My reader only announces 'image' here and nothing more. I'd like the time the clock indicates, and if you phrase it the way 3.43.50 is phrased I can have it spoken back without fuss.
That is 6.05.30
